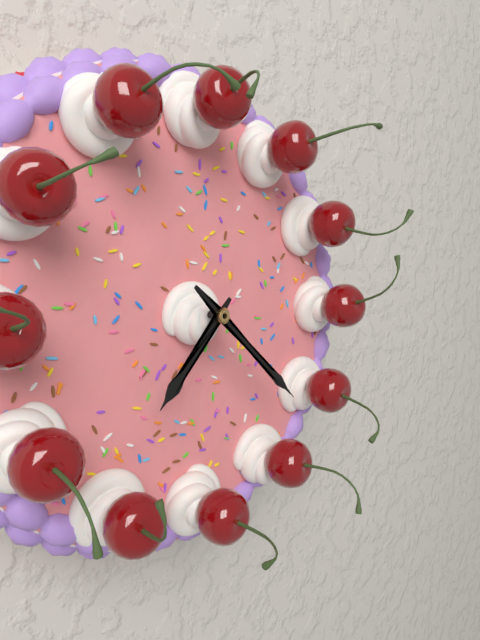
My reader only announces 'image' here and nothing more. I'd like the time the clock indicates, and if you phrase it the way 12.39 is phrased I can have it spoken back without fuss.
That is 7.22
